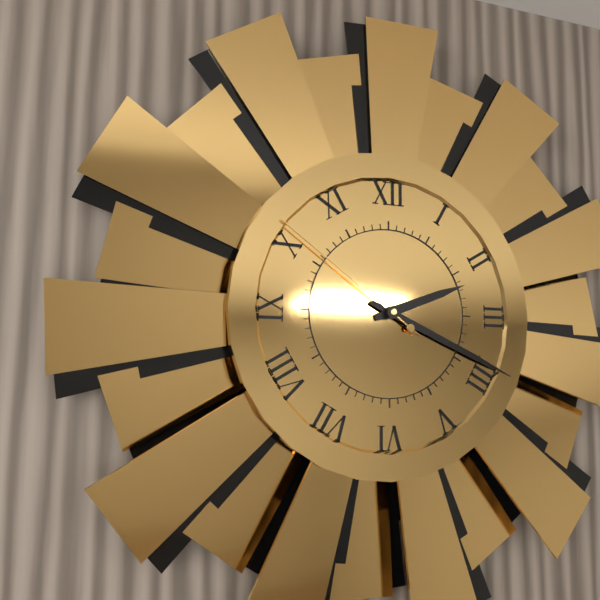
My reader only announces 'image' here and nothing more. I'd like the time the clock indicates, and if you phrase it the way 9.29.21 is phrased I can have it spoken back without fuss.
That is 2.19.51
